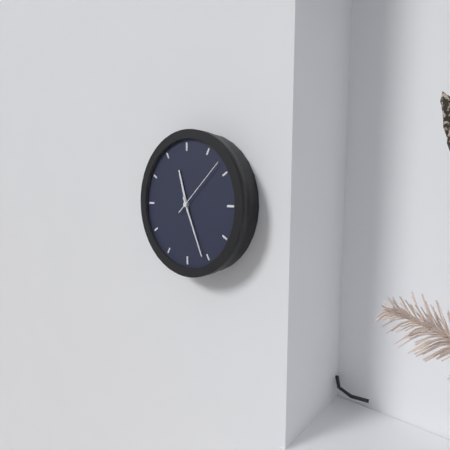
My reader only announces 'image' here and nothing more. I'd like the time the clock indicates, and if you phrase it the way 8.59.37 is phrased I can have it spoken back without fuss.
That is 11.26.08
